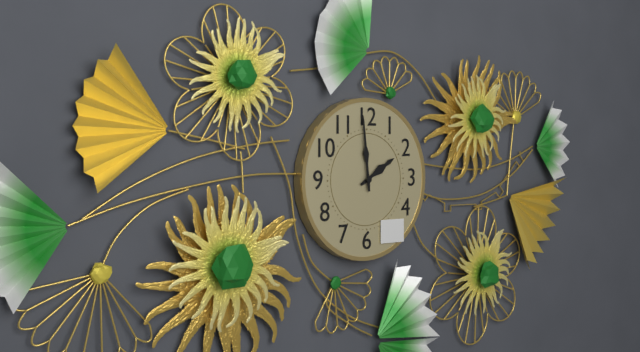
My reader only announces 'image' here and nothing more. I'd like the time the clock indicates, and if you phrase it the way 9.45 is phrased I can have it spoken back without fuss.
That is 1.59
